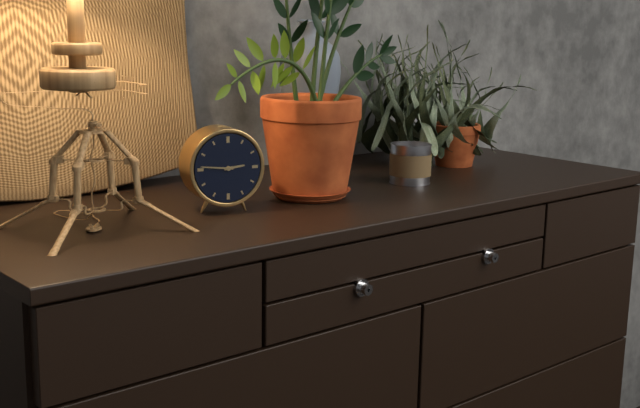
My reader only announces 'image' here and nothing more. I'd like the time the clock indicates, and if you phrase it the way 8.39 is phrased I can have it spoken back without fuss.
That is 2.46
